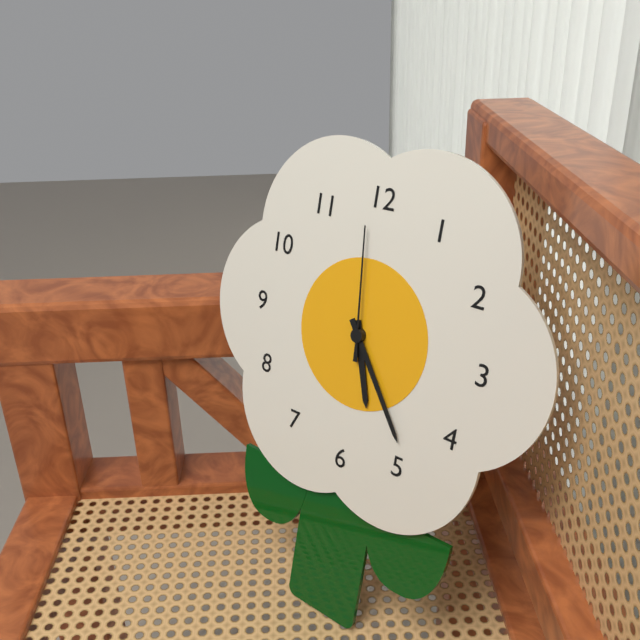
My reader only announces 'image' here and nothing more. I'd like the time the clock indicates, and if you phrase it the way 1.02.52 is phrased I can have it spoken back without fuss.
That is 5.24.59
